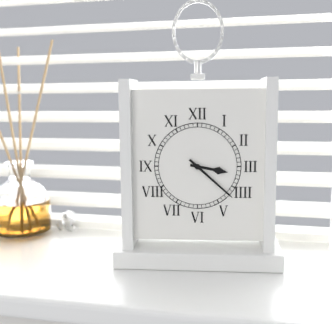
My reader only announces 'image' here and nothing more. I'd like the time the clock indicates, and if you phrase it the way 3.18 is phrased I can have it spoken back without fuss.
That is 3.22
